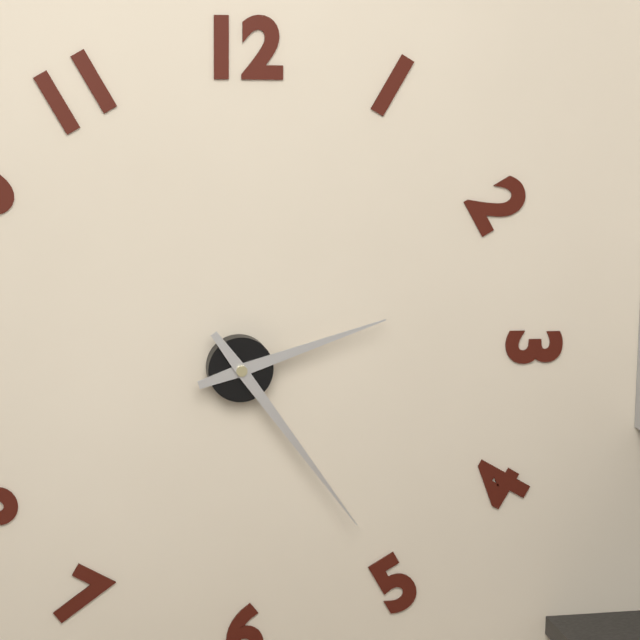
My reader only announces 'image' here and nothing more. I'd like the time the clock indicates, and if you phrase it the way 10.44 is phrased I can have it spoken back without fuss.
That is 2.24
